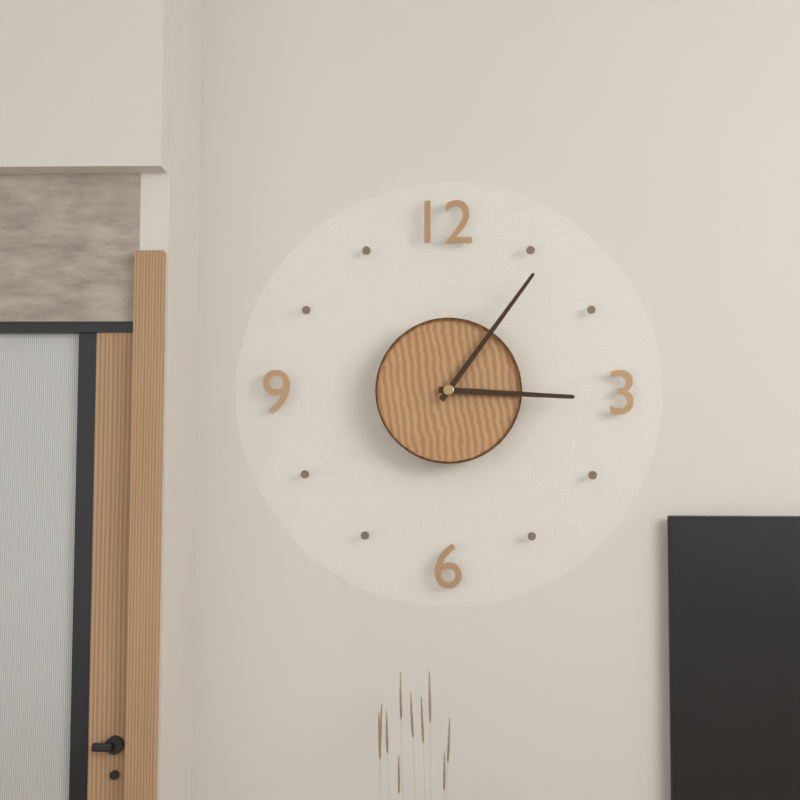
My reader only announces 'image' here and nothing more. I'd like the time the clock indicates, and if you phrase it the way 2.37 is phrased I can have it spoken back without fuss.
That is 3.06
